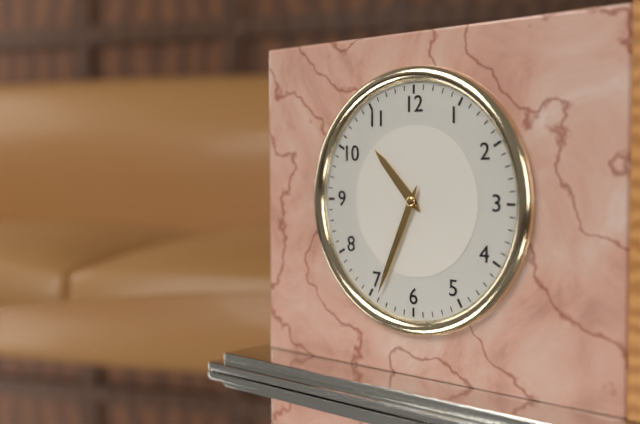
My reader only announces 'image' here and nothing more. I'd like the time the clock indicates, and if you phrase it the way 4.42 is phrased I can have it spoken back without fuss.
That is 10.34
